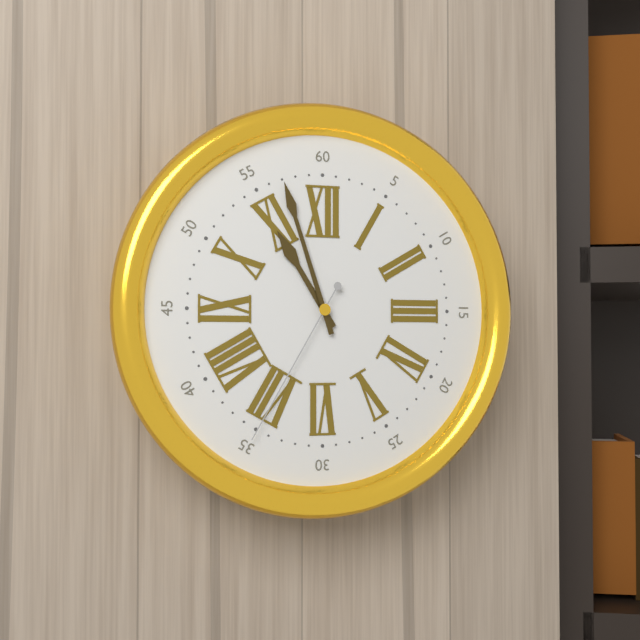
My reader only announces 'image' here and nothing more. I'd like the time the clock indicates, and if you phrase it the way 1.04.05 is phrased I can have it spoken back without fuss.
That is 10.57.35
